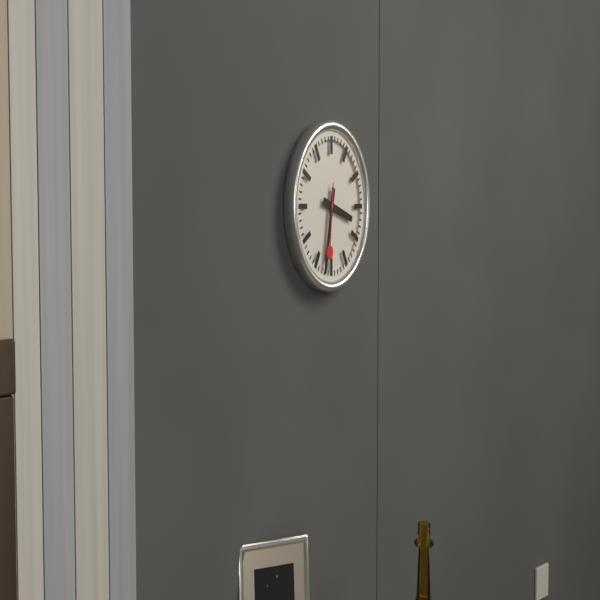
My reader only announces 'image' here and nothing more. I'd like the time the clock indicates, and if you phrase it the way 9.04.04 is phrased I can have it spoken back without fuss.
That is 3.32.31
